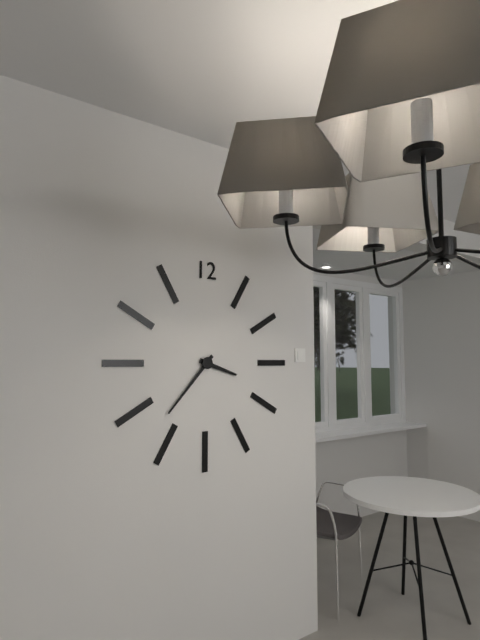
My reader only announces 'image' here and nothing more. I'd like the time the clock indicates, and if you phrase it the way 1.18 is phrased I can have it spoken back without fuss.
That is 3.37
